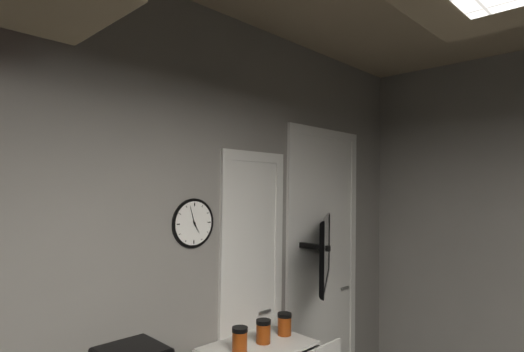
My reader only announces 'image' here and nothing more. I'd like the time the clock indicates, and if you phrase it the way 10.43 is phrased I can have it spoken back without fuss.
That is 4.57
